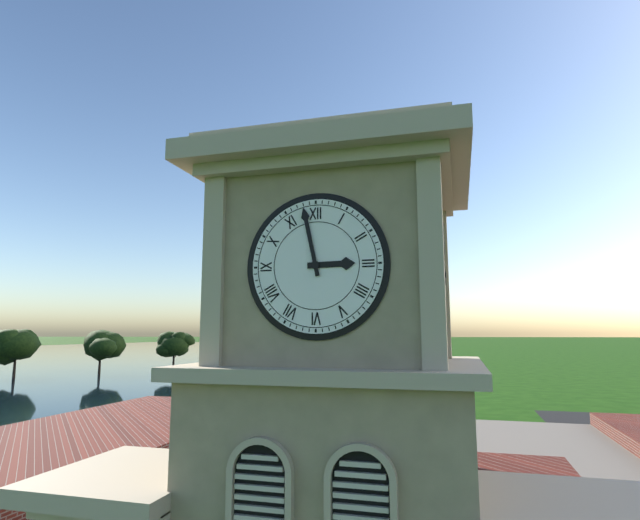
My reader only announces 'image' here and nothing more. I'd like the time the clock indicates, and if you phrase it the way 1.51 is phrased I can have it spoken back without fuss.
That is 2.58
